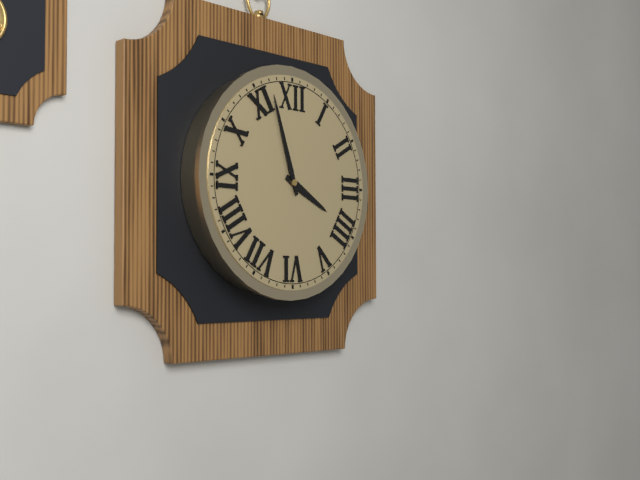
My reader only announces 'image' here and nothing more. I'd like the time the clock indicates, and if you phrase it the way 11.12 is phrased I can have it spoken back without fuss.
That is 3.57
